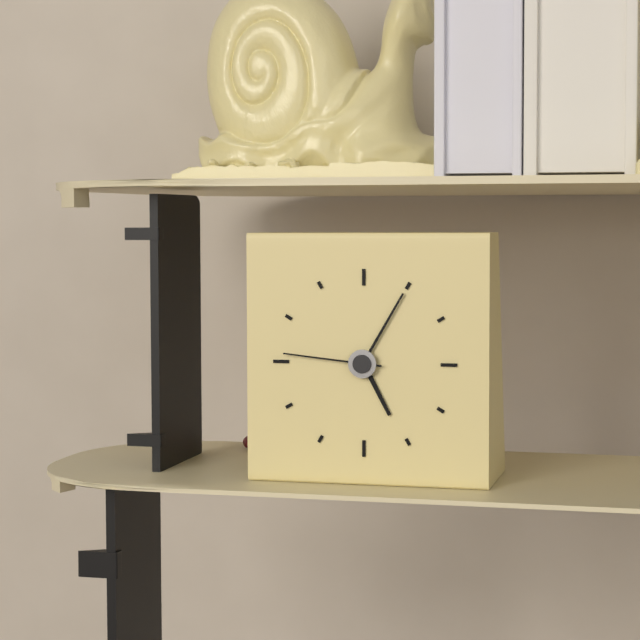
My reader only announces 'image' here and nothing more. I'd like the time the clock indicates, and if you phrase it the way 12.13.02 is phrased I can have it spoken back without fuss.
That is 5.05.46
